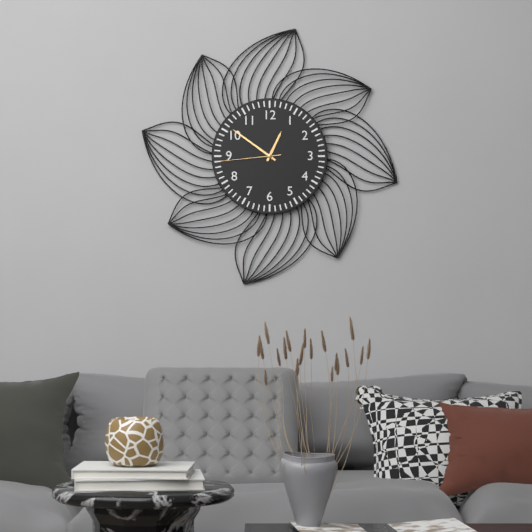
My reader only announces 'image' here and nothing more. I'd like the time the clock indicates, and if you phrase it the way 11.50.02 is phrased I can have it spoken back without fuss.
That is 12.51.44
